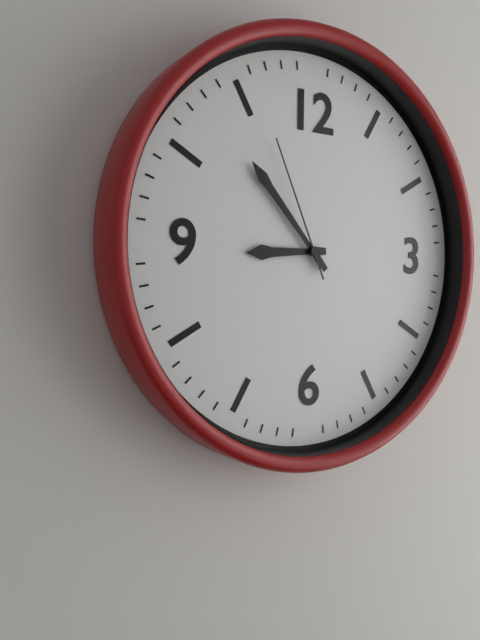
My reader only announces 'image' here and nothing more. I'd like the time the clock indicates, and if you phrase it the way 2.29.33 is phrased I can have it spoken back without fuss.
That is 8.53.56
